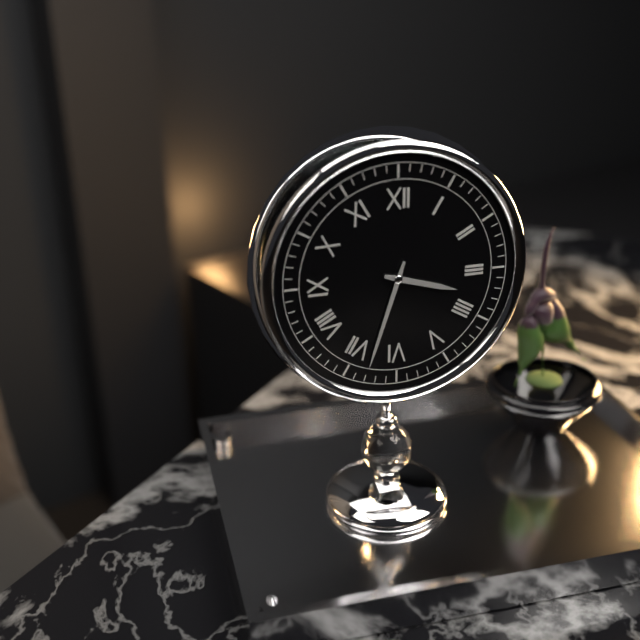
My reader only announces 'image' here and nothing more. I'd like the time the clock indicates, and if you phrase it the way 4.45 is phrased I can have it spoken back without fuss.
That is 3.33
